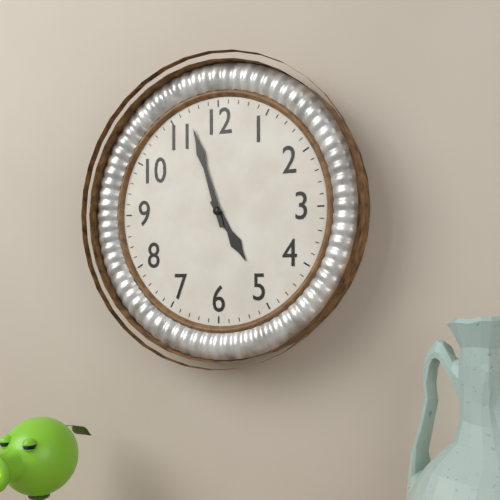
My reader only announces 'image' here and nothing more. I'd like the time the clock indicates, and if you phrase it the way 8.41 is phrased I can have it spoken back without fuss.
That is 4.57
